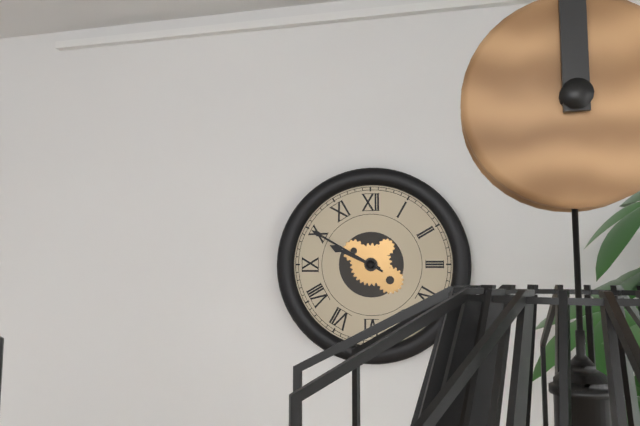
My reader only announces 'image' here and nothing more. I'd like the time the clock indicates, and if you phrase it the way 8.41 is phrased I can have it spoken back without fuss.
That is 9.50
